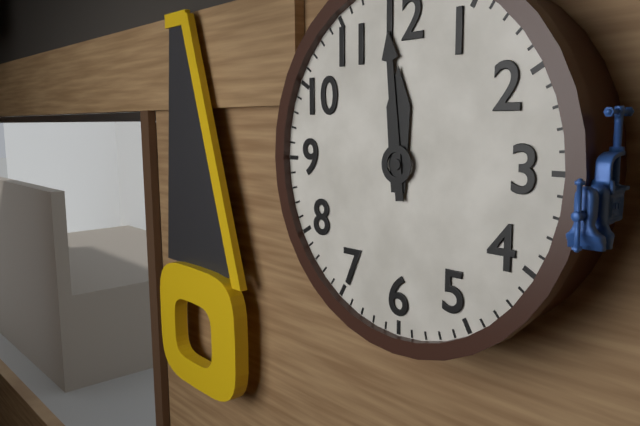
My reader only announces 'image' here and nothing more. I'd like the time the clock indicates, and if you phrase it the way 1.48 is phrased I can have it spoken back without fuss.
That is 11.59
